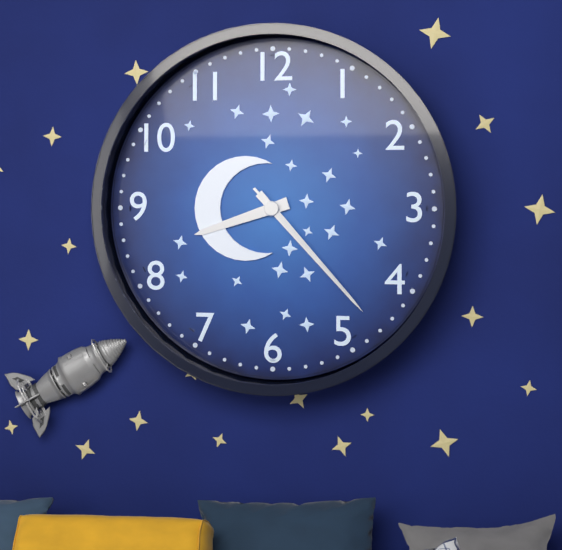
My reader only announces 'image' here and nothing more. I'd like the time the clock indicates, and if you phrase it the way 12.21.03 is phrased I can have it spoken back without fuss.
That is 8.23.23
